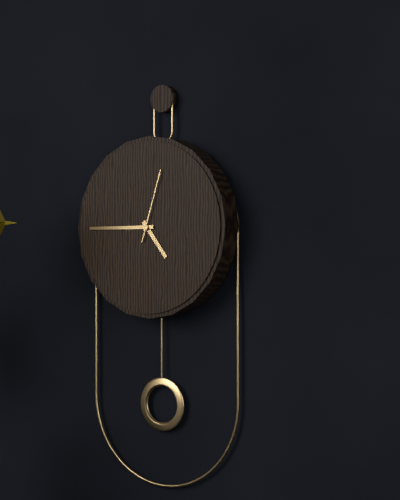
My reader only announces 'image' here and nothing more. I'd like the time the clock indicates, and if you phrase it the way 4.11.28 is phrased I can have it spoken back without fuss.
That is 4.45.03
